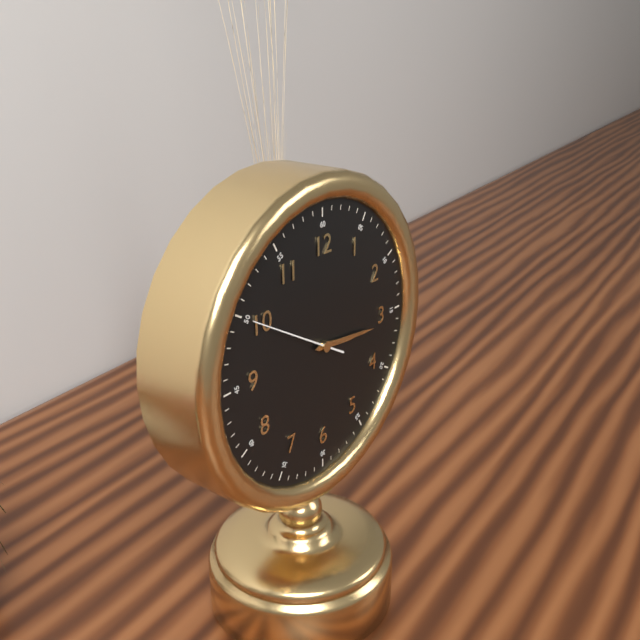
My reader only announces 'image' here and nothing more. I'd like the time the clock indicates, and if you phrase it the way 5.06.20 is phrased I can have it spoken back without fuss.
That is 3.16.50
